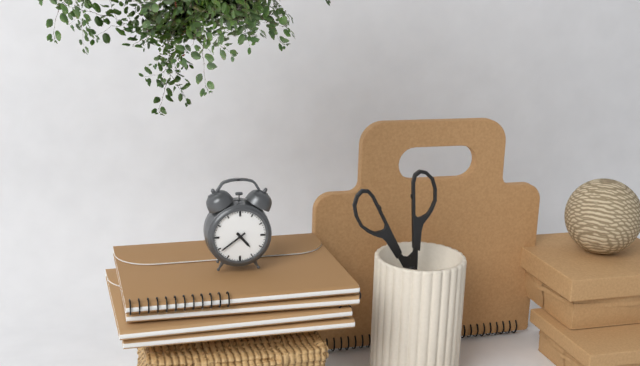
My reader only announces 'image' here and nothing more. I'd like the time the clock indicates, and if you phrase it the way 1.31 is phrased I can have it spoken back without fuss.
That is 4.39
